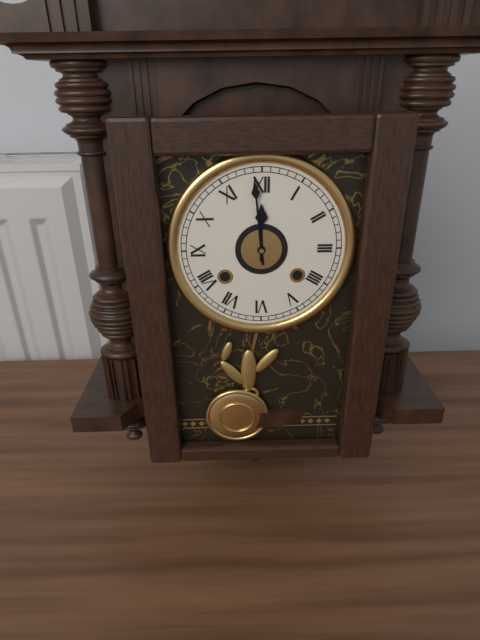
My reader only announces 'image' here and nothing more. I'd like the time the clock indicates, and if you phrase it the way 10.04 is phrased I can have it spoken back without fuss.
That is 11.59
